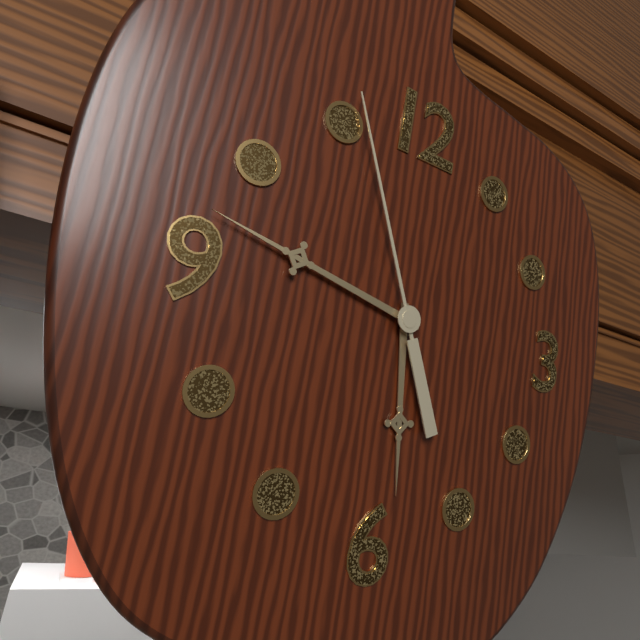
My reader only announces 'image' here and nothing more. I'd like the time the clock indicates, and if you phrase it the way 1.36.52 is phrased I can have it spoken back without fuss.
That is 5.47.56
